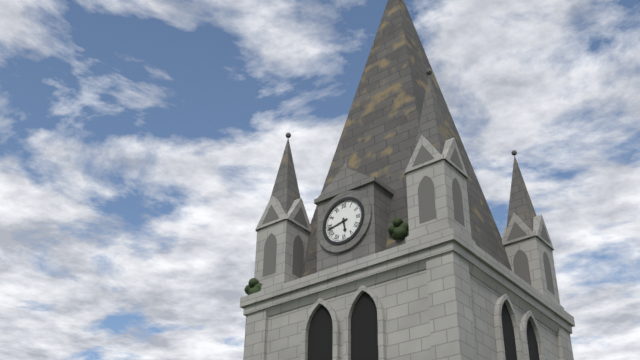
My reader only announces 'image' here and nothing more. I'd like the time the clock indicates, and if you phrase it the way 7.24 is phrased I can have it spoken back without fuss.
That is 5.43
